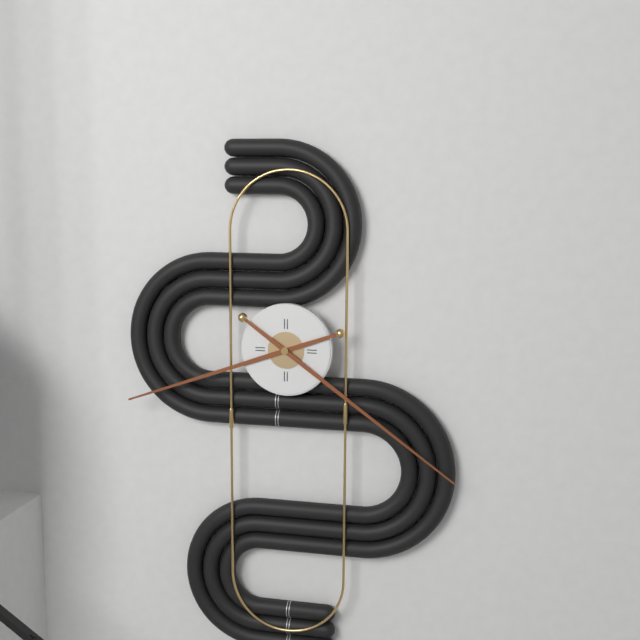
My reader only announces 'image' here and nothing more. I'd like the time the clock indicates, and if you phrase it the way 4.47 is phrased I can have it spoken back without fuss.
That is 8.21
